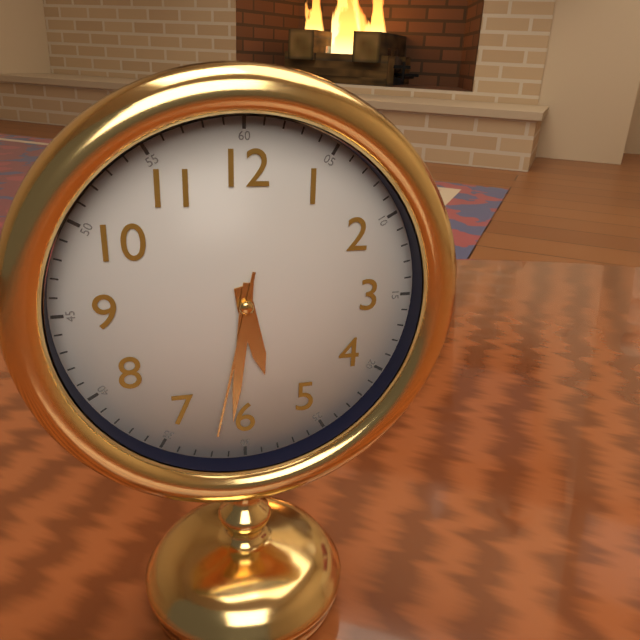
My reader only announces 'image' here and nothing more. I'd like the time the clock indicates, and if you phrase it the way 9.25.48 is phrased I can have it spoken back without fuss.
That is 5.31.32
